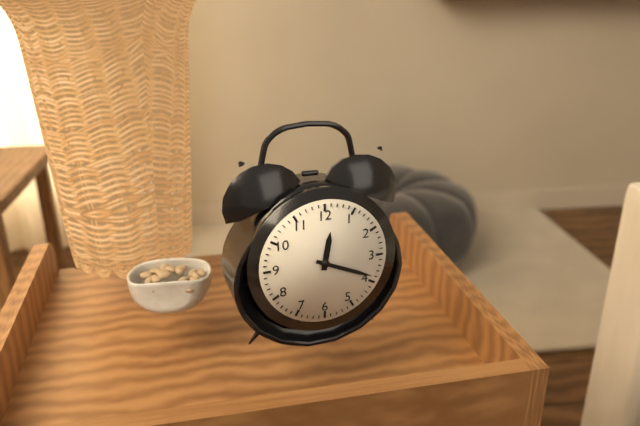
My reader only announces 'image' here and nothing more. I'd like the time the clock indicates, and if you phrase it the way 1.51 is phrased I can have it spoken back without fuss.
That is 12.19
